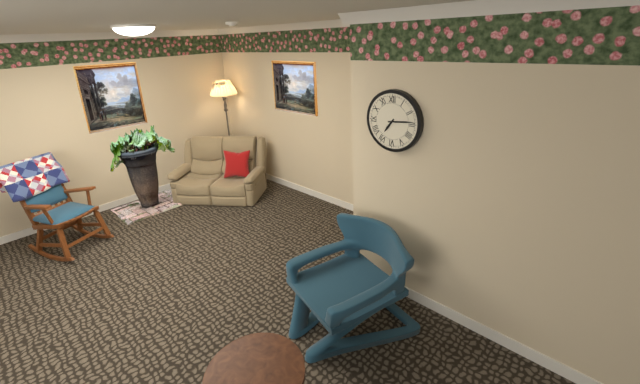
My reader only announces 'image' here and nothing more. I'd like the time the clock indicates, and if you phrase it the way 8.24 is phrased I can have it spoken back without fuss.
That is 7.14
